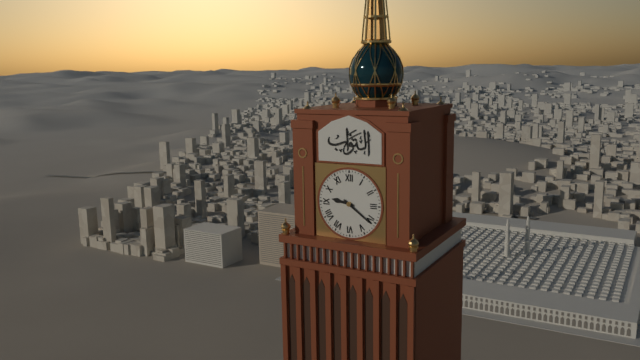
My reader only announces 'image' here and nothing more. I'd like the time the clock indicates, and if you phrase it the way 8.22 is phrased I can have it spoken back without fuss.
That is 9.21
